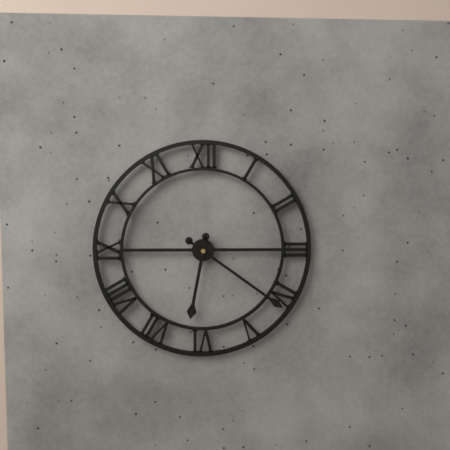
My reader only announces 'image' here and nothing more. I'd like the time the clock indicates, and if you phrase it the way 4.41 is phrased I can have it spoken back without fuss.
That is 6.21
